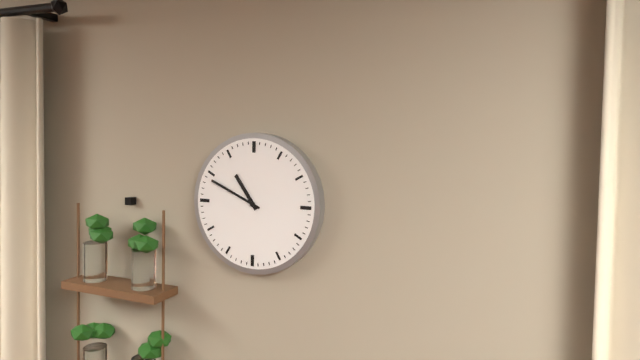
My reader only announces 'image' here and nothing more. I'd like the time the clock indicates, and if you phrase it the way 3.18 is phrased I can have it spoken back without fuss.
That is 10.49
